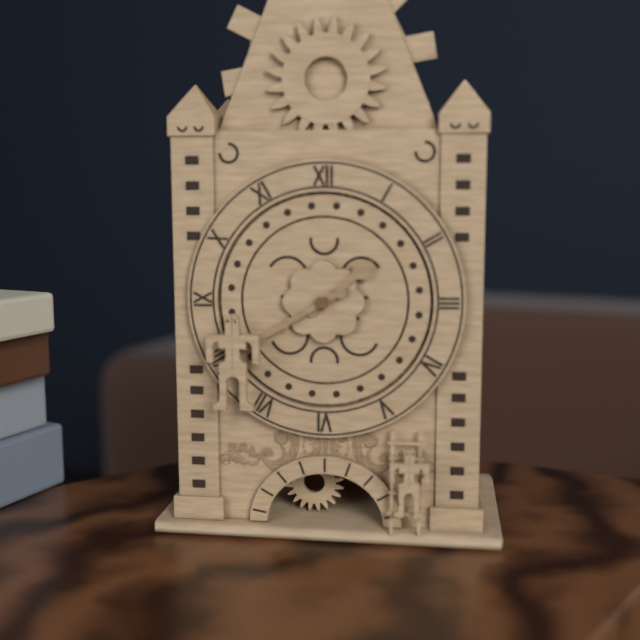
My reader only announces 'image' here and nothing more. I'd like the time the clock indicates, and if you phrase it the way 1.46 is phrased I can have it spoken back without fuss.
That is 1.40
